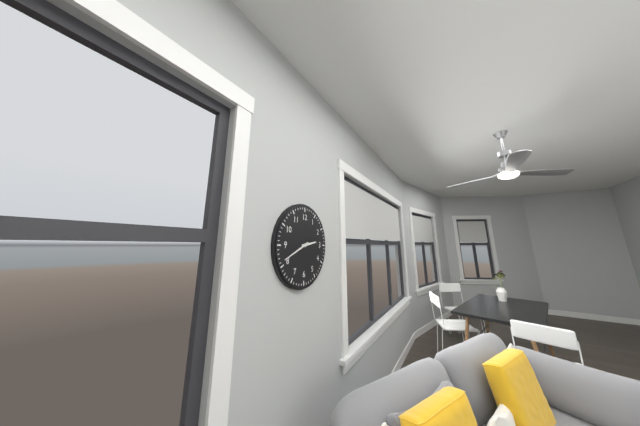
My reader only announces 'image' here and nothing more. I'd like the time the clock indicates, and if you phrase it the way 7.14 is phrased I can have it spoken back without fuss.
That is 2.41
